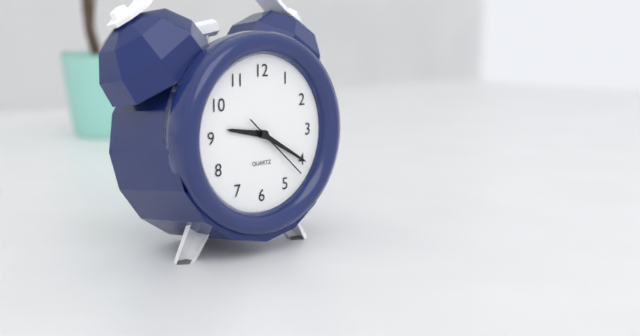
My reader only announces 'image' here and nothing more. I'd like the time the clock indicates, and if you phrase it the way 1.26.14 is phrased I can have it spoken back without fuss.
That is 9.20.22
